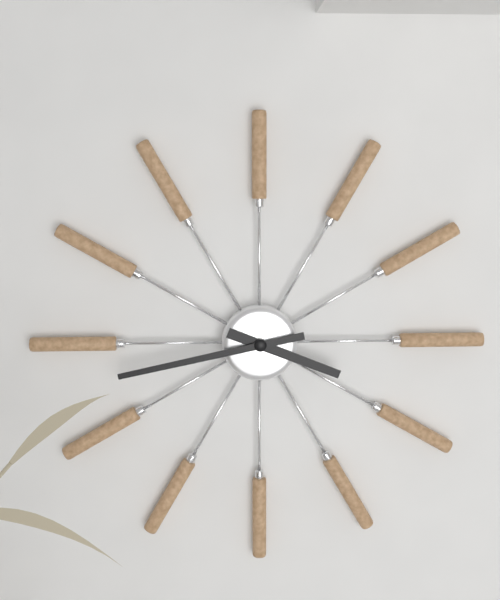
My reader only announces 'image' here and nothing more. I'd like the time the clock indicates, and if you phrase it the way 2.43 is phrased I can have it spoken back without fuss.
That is 3.43
